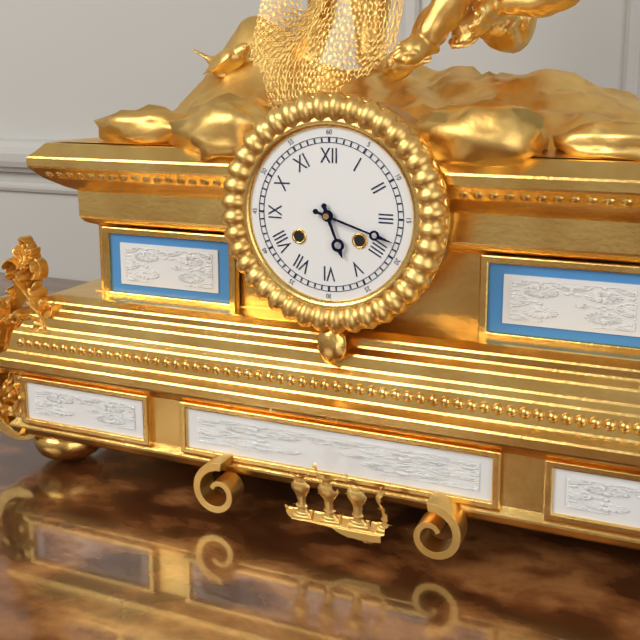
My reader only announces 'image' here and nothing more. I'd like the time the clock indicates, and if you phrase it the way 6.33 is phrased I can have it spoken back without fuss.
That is 5.18
